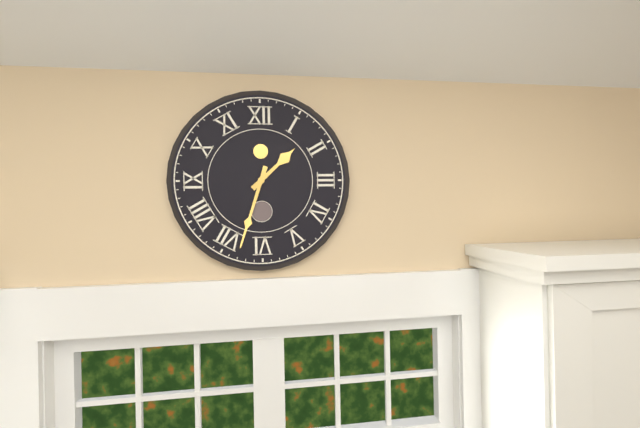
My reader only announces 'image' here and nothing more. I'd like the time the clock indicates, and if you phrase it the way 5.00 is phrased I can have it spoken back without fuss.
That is 1.33
